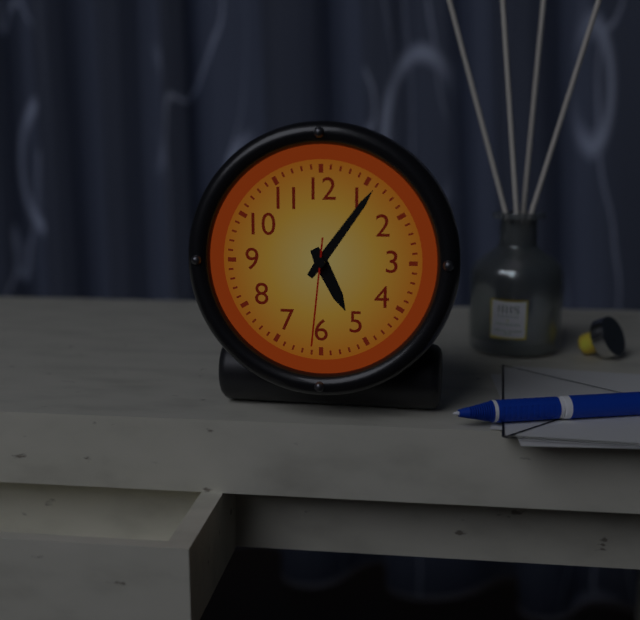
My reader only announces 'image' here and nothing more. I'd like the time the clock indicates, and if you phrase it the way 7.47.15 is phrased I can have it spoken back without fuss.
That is 5.06.31
